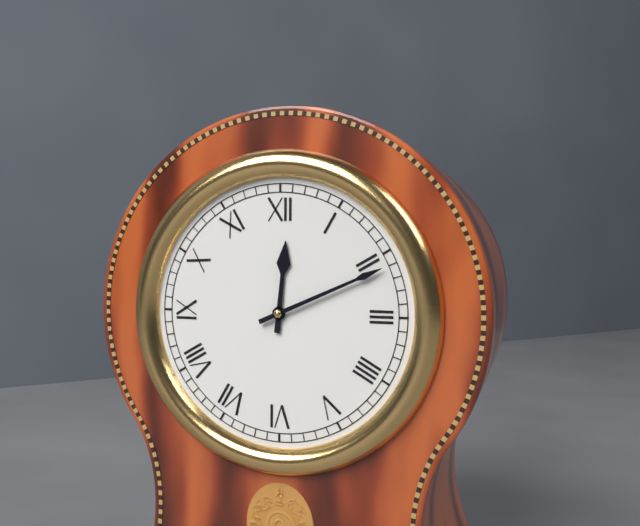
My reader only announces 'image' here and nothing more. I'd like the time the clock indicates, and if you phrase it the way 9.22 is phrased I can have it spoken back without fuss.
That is 12.11
